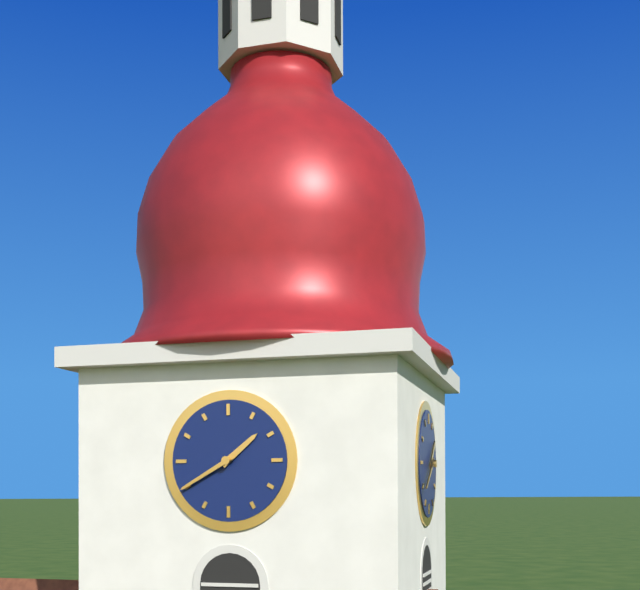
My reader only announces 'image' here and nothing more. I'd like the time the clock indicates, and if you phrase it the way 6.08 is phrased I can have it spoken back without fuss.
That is 1.40
